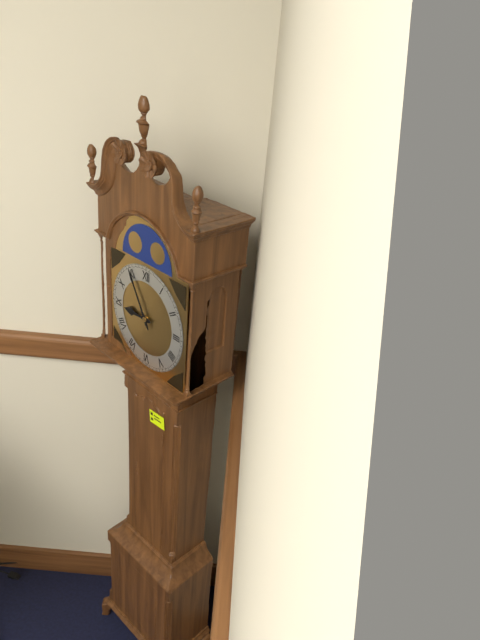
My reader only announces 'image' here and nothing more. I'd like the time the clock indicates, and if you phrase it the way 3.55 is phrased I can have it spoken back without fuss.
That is 8.55
